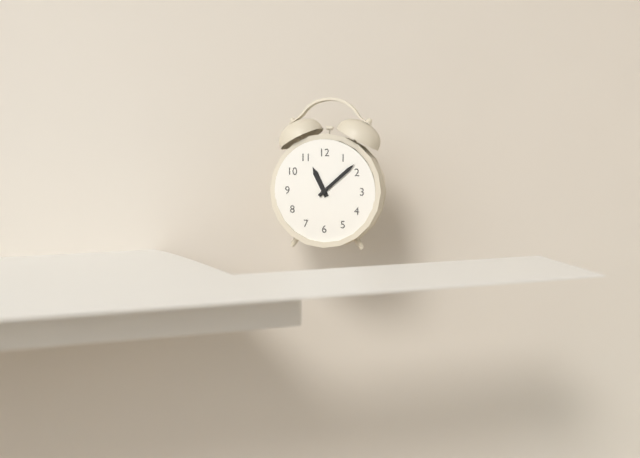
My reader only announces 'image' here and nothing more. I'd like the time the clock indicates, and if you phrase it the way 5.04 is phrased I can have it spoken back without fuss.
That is 11.08
